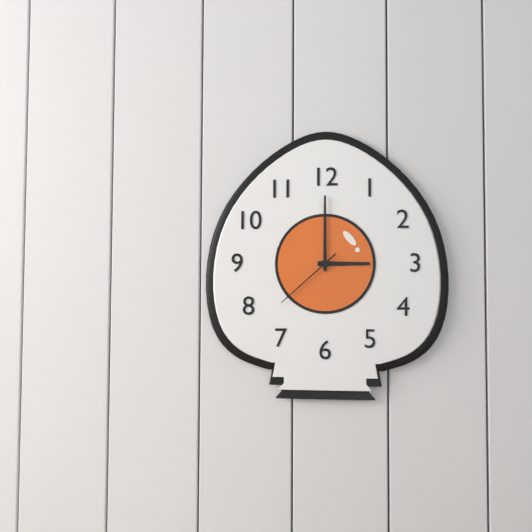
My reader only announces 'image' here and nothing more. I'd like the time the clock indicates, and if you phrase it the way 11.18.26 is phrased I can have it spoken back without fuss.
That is 3.00.38
